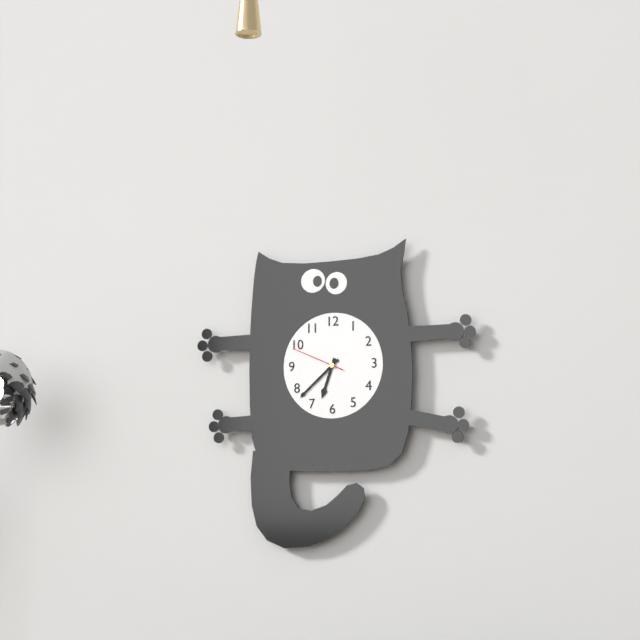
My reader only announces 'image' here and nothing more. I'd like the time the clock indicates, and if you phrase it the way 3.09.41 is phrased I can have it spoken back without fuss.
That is 6.38.49
